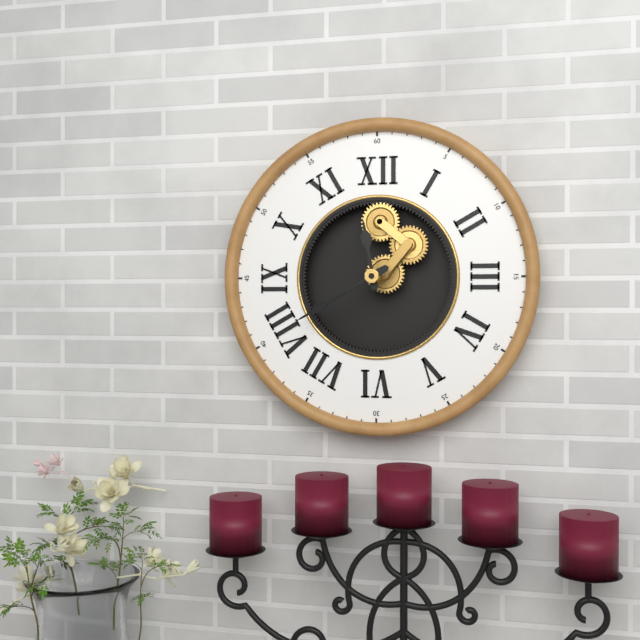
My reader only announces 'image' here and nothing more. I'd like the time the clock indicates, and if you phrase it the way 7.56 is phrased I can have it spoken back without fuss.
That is 11.40
